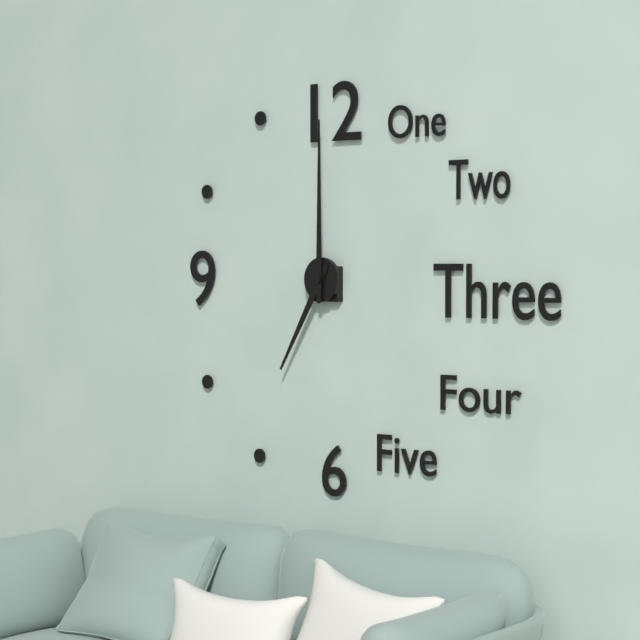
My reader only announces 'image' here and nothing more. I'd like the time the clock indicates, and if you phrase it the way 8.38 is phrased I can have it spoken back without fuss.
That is 7.00
